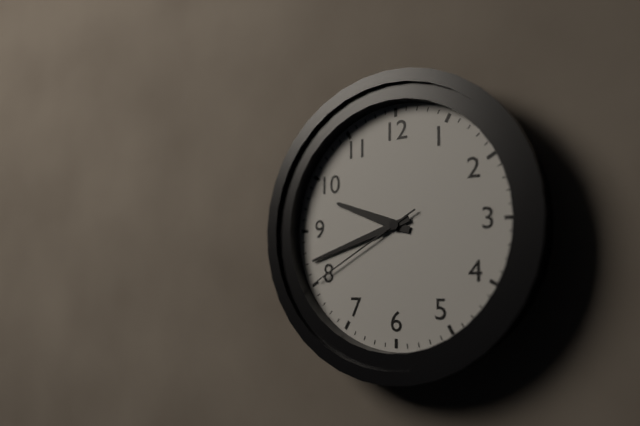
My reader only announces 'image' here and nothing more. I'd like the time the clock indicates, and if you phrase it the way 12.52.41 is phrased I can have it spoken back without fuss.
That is 9.42.40
